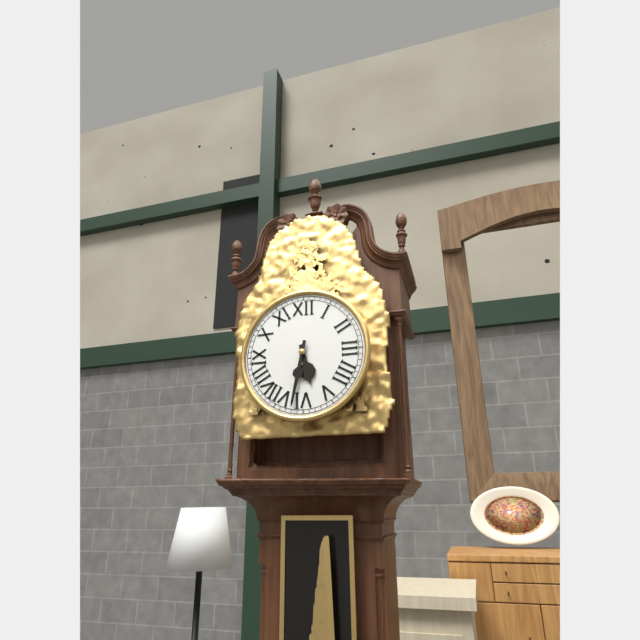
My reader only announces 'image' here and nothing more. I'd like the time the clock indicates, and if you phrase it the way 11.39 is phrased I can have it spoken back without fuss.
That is 5.32
